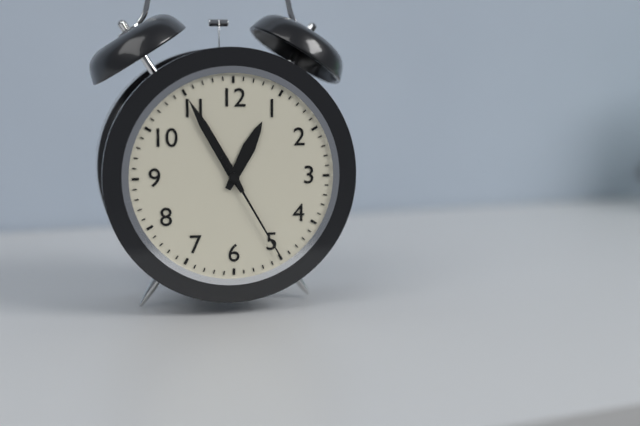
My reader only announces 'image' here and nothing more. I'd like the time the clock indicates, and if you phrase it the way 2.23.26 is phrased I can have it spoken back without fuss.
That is 12.55.25
